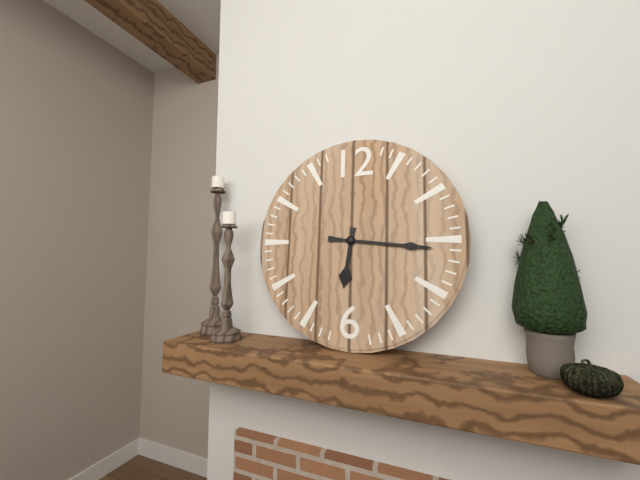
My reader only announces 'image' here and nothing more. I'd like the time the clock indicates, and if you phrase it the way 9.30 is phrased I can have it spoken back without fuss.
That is 6.16
